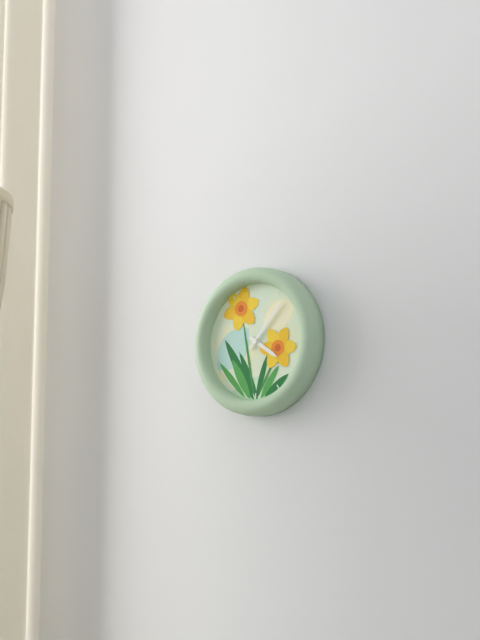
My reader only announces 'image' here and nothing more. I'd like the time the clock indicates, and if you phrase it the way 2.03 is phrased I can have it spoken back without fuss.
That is 4.07
